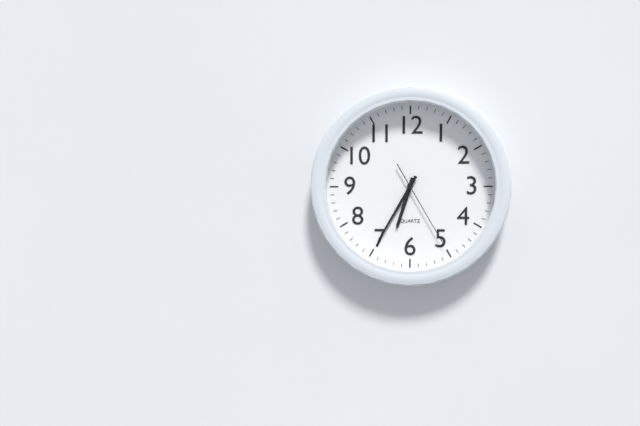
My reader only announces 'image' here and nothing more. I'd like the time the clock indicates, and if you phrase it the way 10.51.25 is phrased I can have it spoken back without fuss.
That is 6.35.25
